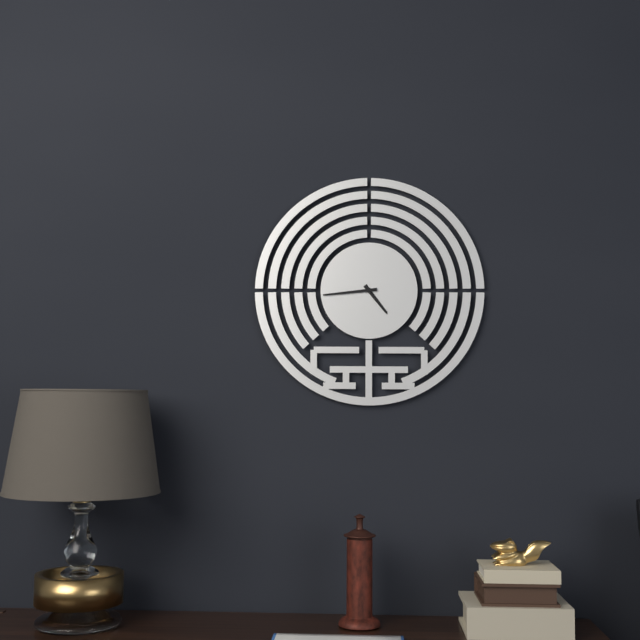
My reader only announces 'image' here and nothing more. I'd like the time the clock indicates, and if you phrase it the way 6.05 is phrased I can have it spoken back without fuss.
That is 4.44
